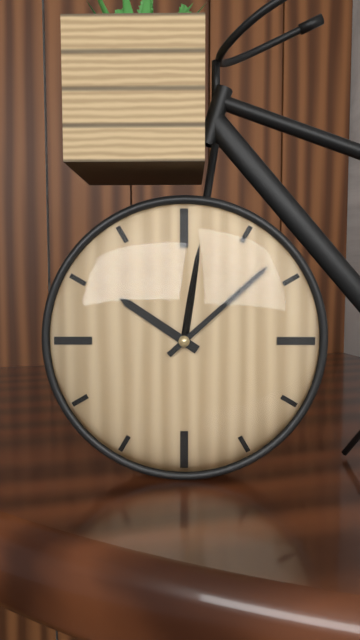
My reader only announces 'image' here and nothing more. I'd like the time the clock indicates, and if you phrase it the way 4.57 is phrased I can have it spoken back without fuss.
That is 10.08
